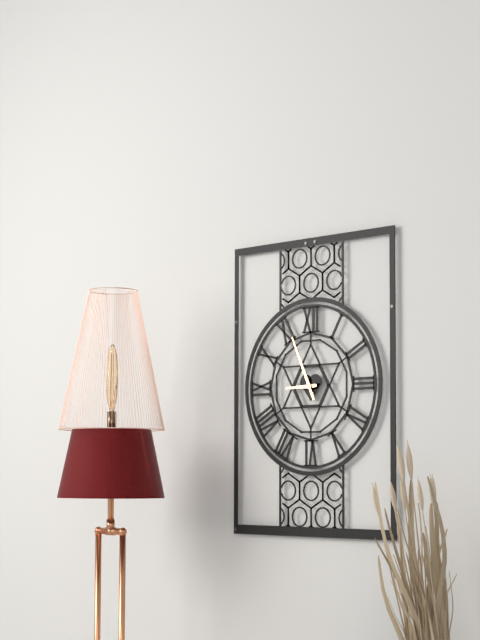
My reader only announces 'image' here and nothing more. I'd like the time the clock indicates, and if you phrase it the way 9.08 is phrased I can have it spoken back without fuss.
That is 8.56
